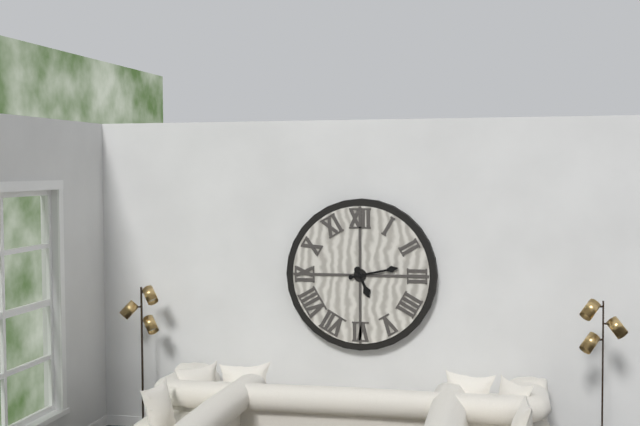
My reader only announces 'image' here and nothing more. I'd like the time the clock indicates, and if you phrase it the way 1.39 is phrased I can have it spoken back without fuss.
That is 5.13
